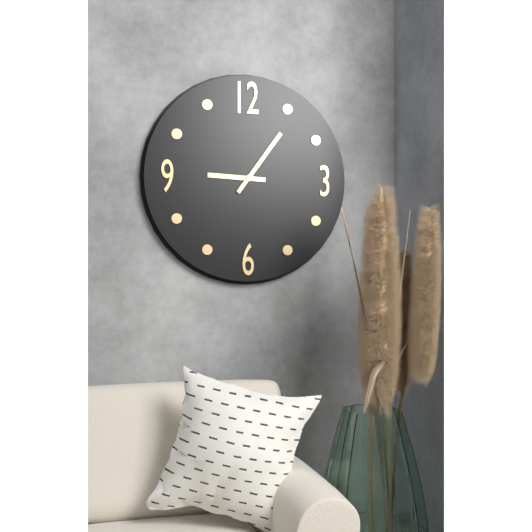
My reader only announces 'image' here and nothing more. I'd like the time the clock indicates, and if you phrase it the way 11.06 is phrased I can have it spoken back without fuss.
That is 9.06
